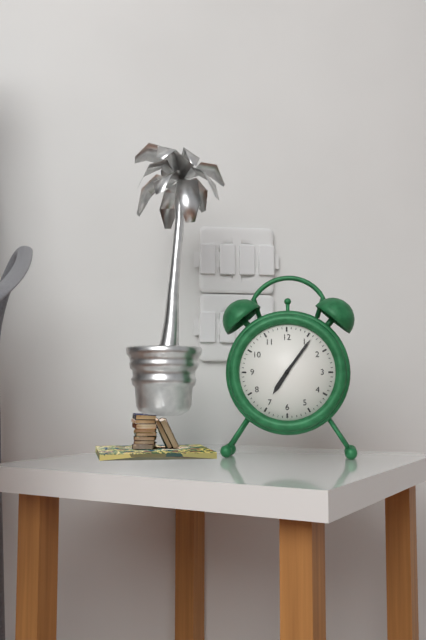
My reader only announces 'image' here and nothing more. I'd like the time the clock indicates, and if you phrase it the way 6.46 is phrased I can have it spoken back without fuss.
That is 7.06
